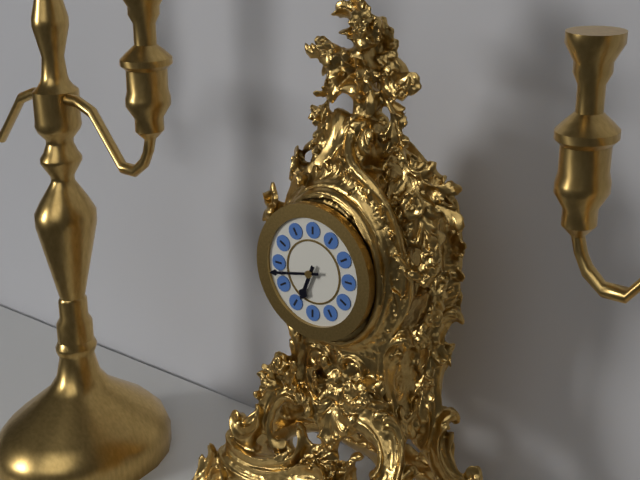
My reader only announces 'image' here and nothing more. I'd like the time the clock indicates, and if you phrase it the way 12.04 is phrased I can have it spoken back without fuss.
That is 6.43
